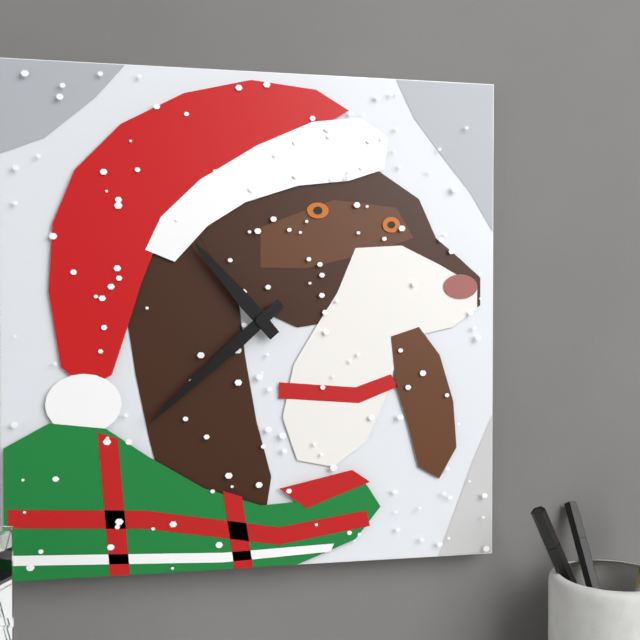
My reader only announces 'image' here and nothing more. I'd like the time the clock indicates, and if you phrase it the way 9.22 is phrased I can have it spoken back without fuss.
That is 10.38
